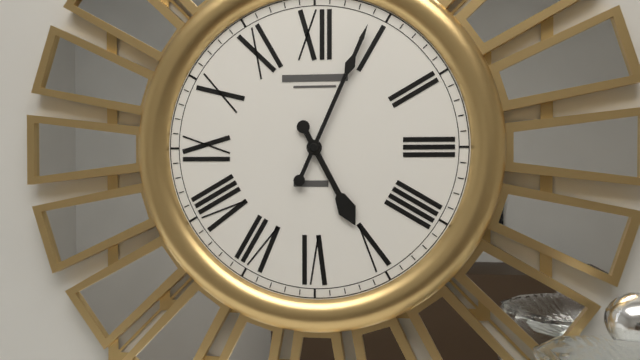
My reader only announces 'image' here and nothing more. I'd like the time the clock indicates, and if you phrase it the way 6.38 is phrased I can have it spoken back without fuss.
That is 5.04
